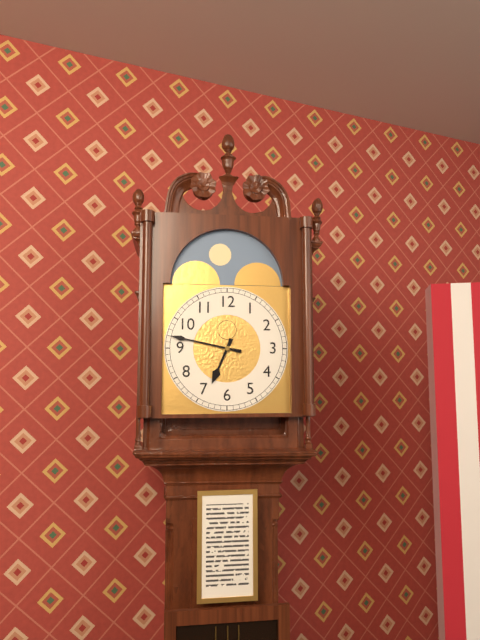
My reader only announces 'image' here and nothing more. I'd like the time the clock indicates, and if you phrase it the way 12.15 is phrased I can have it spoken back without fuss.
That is 6.47
